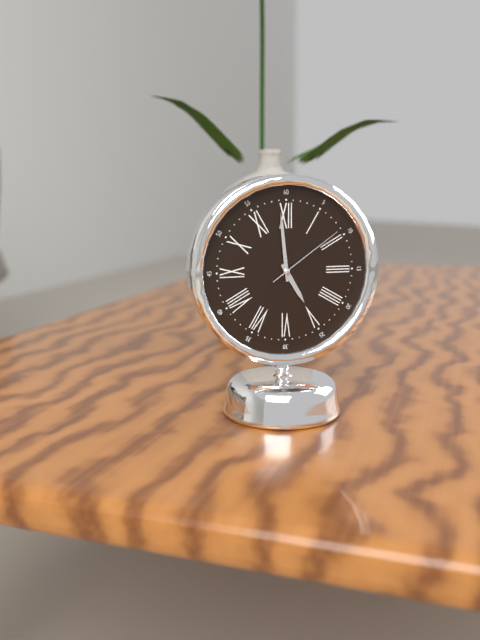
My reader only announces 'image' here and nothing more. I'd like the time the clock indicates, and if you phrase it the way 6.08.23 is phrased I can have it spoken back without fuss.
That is 4.59.09
